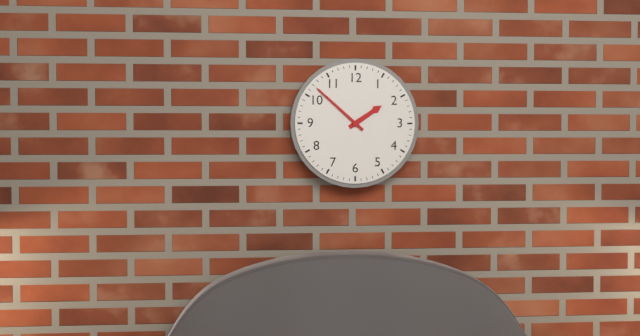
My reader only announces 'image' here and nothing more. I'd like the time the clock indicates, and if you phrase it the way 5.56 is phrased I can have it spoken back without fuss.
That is 1.52
